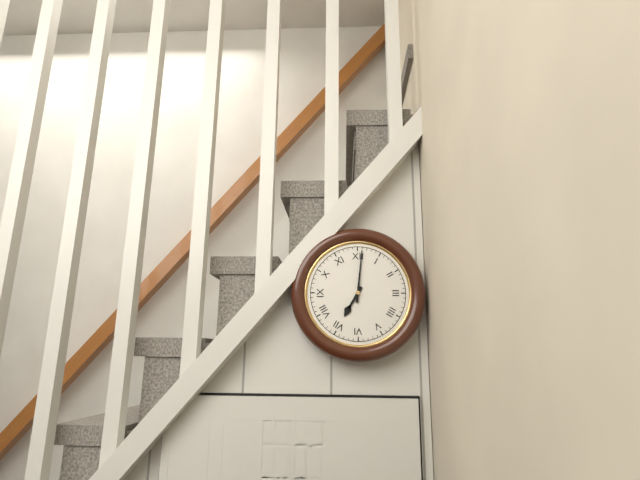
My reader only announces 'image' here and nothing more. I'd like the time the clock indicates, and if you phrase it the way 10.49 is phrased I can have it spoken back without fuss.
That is 7.01
